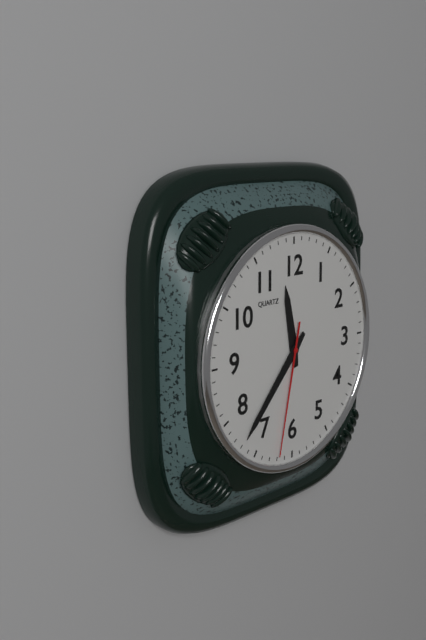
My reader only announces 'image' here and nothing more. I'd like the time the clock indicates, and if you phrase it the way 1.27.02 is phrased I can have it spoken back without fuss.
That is 11.37.32
